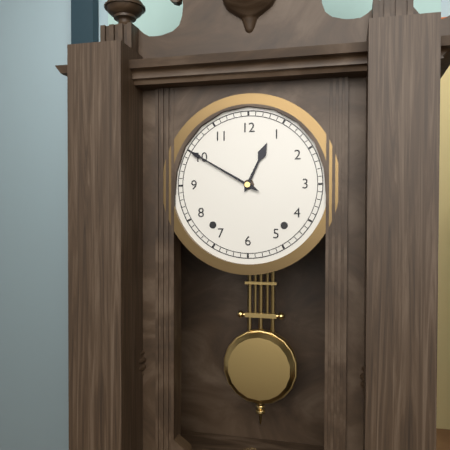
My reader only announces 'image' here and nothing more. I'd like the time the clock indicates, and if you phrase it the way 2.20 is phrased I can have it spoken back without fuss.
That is 12.50
